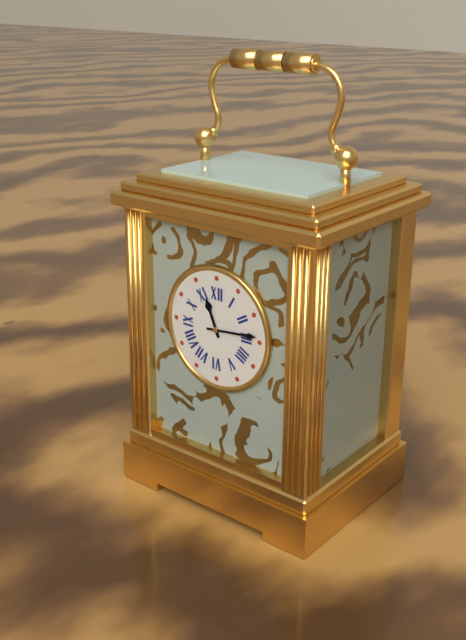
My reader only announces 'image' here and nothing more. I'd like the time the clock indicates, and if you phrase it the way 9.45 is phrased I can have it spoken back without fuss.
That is 11.14
